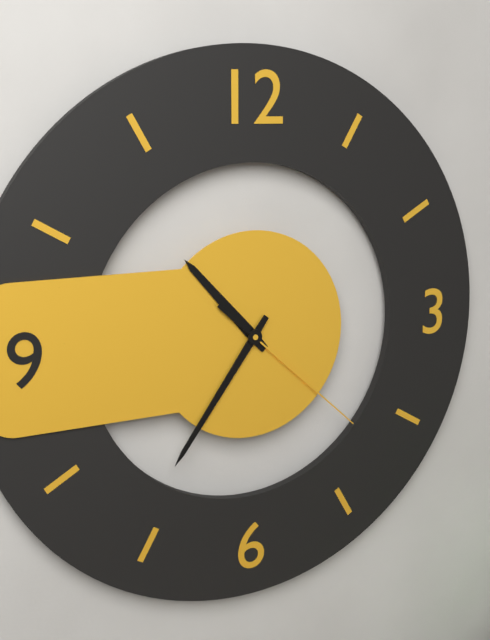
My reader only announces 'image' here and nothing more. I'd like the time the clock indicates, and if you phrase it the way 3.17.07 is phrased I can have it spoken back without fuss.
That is 10.36.22
